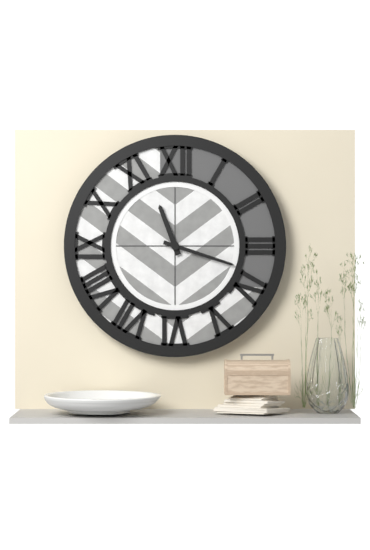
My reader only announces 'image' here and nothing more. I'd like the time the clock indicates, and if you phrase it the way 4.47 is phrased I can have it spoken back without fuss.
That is 11.18
